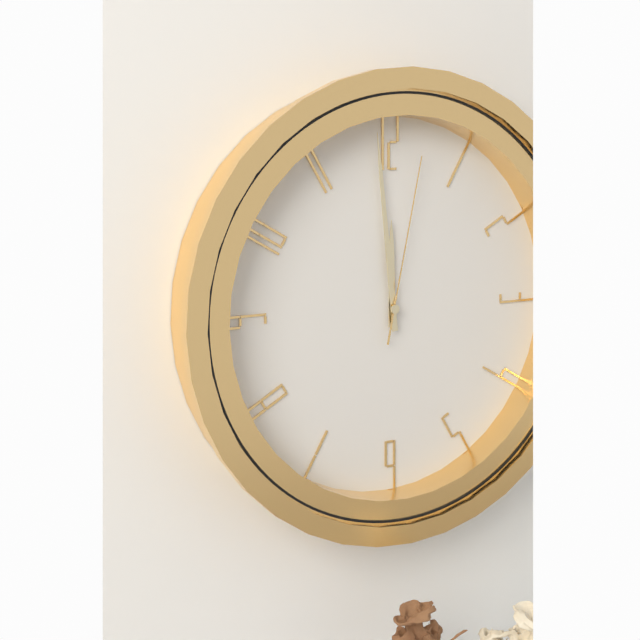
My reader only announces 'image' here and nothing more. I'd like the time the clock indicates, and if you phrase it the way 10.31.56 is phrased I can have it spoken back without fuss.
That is 11.59.02
